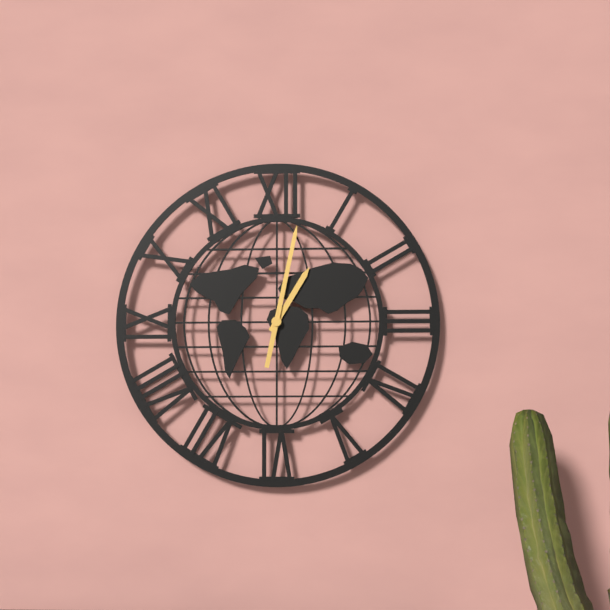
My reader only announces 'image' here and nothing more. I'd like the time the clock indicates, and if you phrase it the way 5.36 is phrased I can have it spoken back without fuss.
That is 1.02
